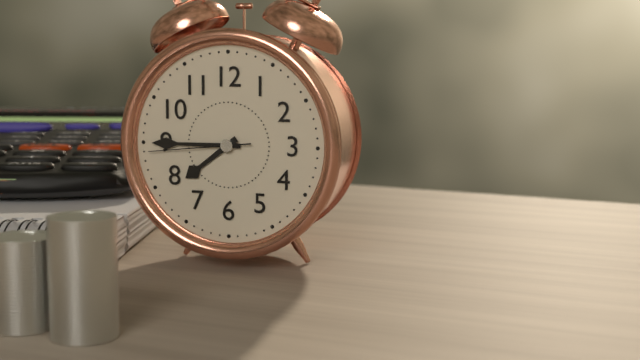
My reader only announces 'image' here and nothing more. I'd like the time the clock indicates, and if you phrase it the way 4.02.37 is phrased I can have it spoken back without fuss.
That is 7.45.44
